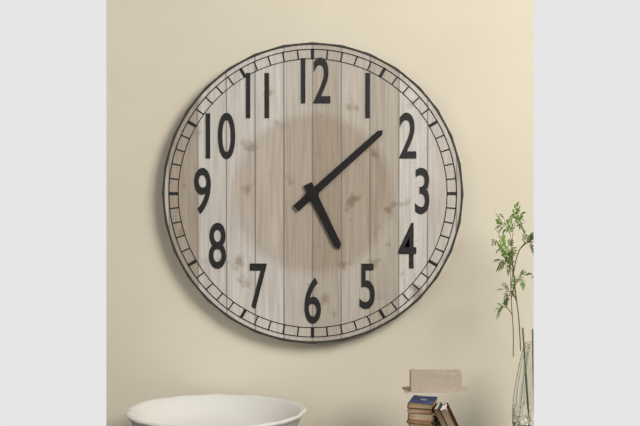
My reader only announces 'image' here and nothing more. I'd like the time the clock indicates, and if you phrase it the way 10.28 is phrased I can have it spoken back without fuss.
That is 5.08
